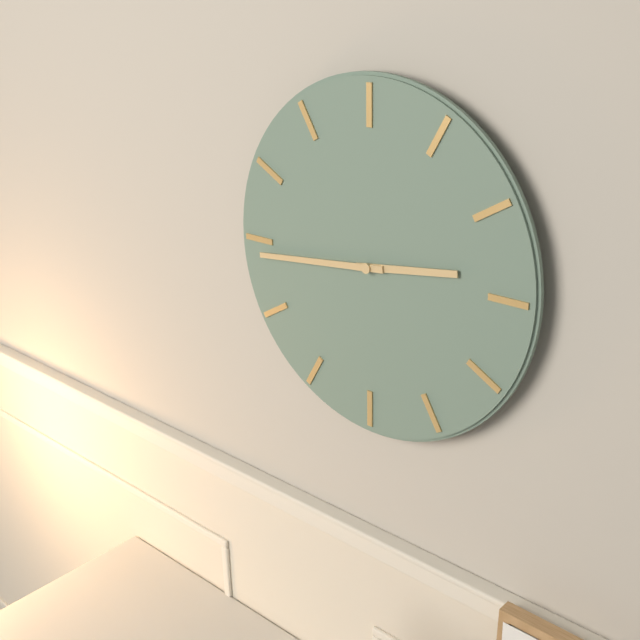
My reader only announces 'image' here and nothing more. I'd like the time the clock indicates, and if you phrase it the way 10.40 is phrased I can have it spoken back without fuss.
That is 2.44
